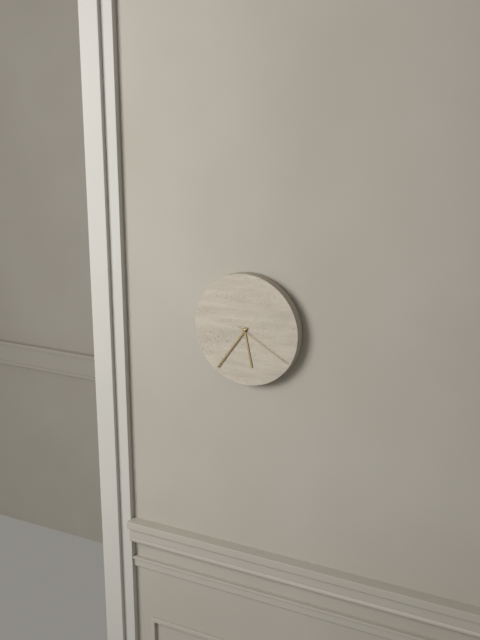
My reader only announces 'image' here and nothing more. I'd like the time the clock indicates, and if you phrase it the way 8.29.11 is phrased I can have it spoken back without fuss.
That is 5.36.20
